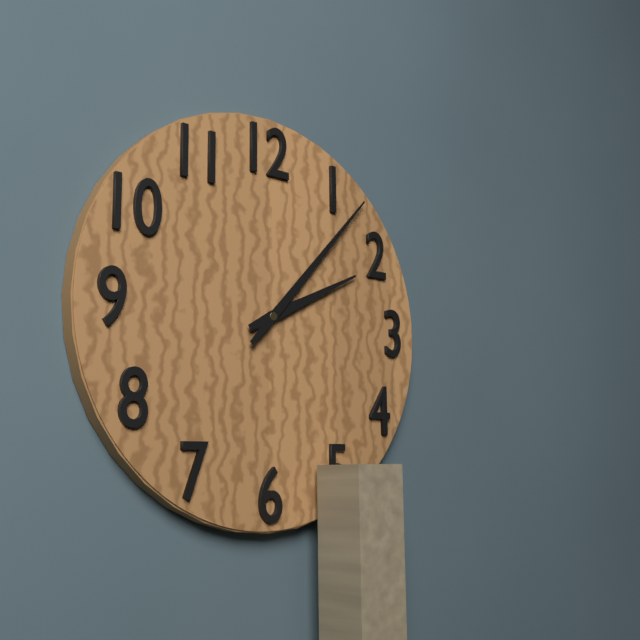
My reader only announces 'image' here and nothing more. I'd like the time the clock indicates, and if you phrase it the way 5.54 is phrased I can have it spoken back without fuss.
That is 2.07
